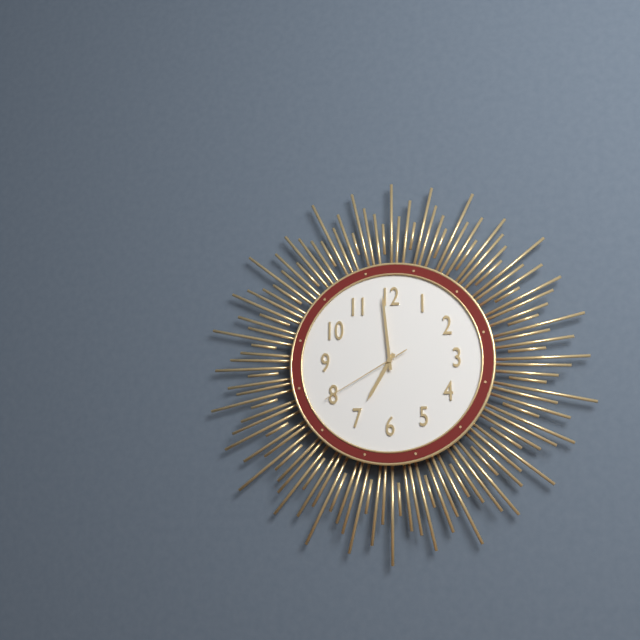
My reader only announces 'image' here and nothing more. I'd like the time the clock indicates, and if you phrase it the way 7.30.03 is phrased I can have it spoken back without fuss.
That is 6.59.40
